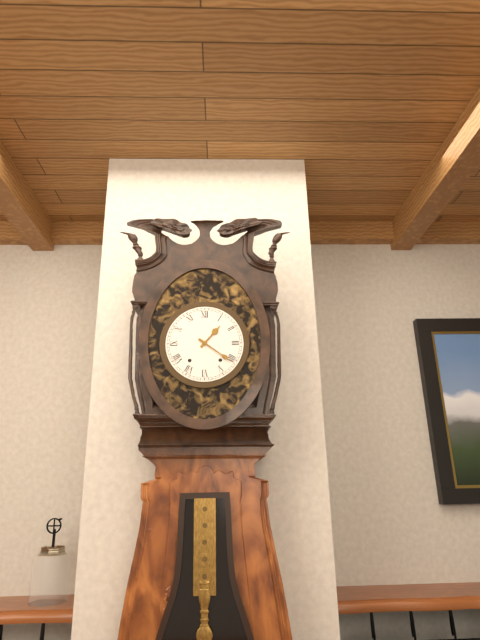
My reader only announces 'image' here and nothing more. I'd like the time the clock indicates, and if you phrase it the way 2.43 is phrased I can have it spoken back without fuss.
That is 1.21
